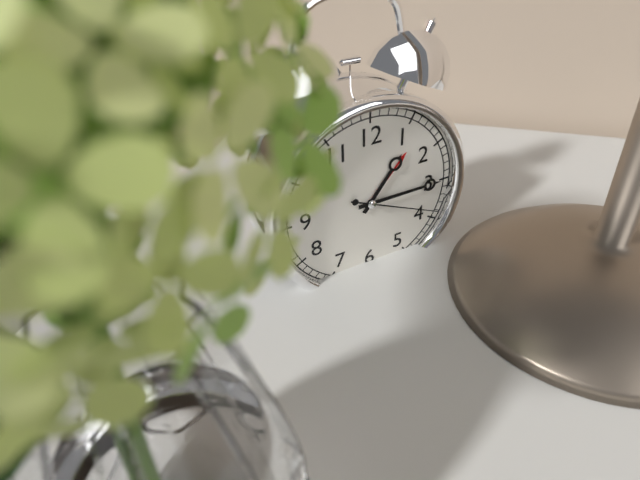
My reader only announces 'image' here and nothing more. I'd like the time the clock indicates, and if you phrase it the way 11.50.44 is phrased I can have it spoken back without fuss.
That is 1.15.19
